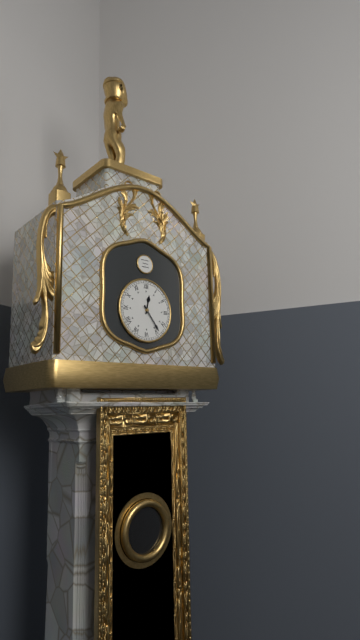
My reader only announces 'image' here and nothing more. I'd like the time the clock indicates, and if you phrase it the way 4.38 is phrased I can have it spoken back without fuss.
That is 12.24
